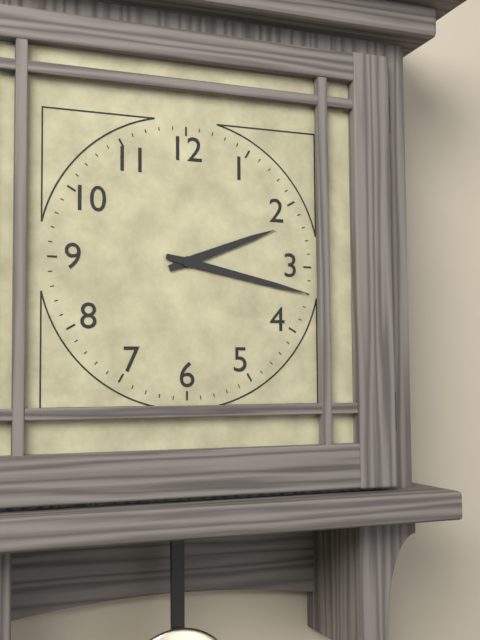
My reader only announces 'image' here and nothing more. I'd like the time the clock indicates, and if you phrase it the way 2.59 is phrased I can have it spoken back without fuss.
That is 2.17
